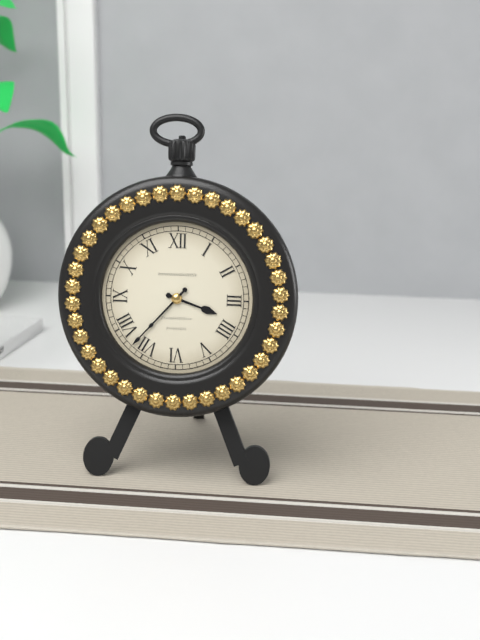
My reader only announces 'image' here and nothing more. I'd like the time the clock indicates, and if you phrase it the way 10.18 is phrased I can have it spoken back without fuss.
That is 3.37
